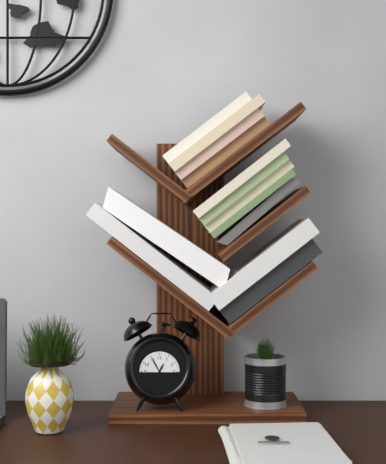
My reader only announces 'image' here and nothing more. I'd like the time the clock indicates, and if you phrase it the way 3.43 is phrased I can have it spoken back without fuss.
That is 12.55
